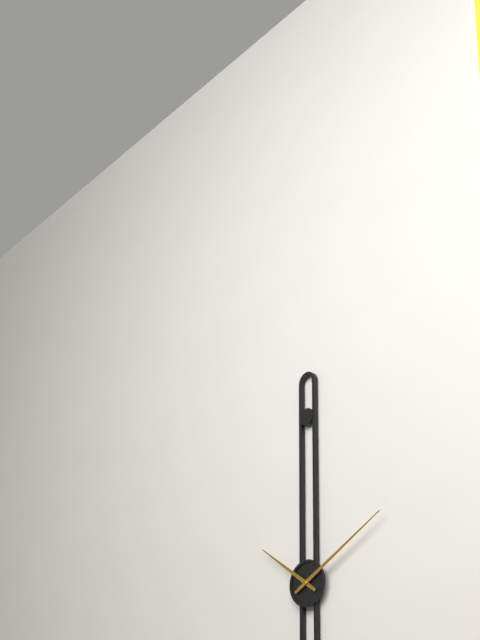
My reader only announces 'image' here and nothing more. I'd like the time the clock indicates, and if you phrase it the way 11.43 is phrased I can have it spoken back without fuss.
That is 10.10
